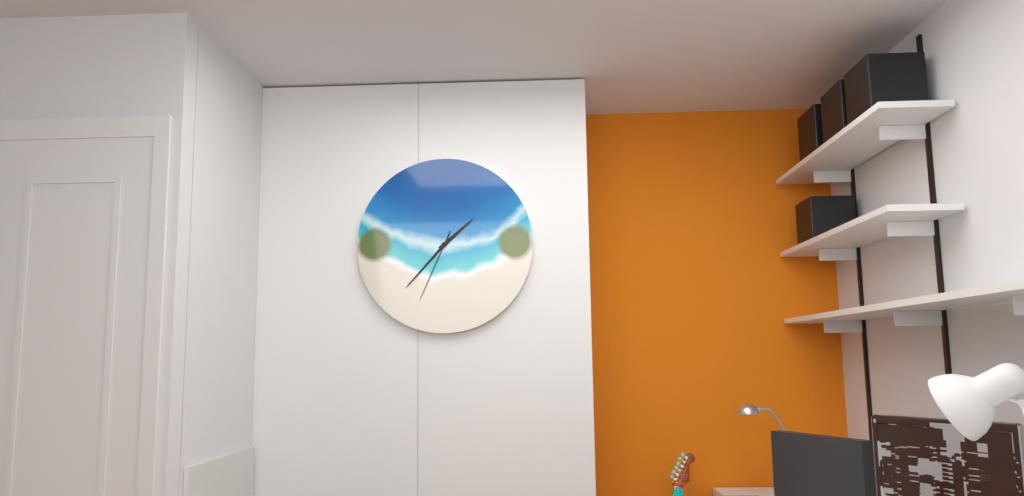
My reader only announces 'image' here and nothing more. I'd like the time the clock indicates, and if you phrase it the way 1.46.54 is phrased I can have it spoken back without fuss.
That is 1.37.34
